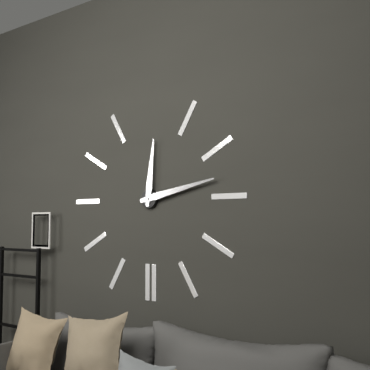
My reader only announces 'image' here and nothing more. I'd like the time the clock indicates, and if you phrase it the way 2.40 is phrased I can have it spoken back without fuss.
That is 12.13
